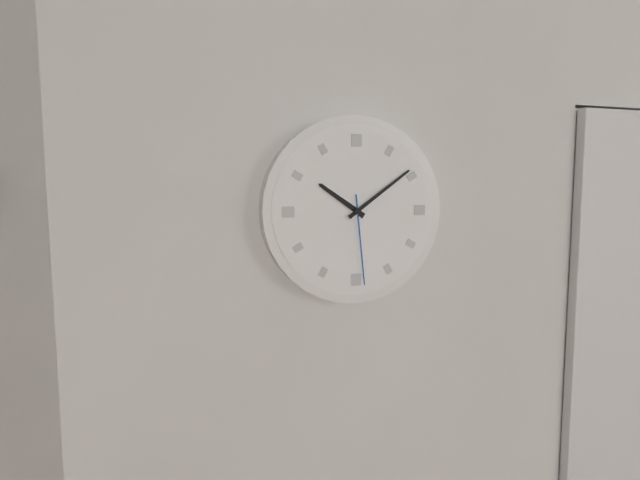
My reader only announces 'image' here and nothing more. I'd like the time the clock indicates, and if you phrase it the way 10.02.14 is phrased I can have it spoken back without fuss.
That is 10.09.29
